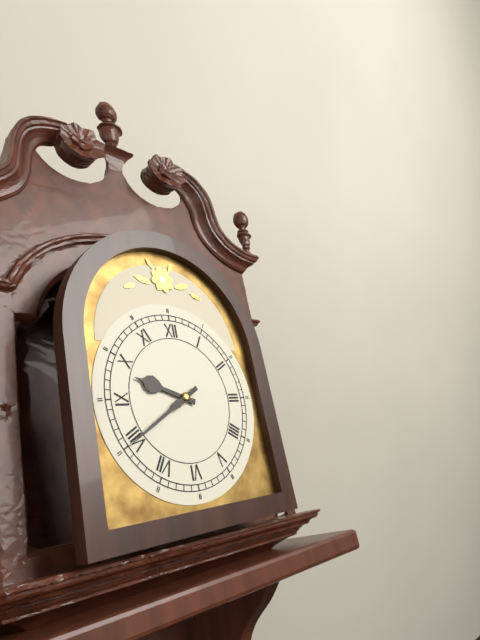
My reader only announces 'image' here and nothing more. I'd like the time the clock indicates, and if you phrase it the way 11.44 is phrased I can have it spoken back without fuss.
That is 9.40
